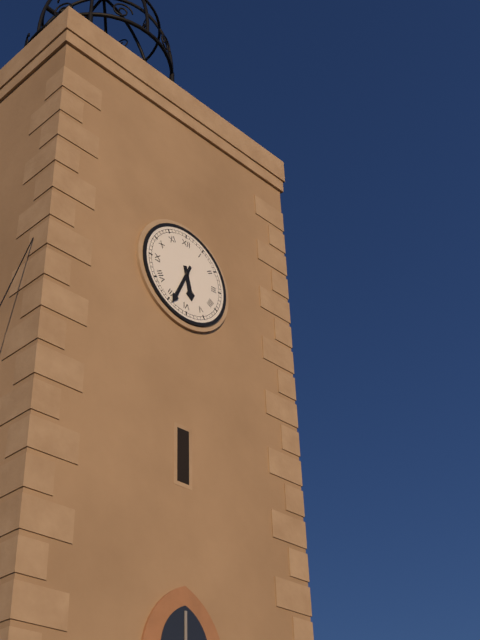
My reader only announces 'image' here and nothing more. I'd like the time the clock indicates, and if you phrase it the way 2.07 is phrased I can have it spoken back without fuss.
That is 5.34
